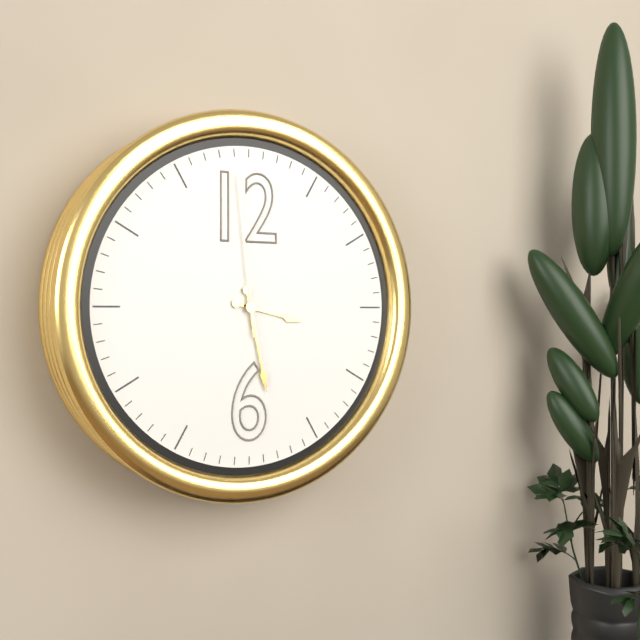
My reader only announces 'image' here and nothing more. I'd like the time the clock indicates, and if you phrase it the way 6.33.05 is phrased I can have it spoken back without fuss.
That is 3.28.59
